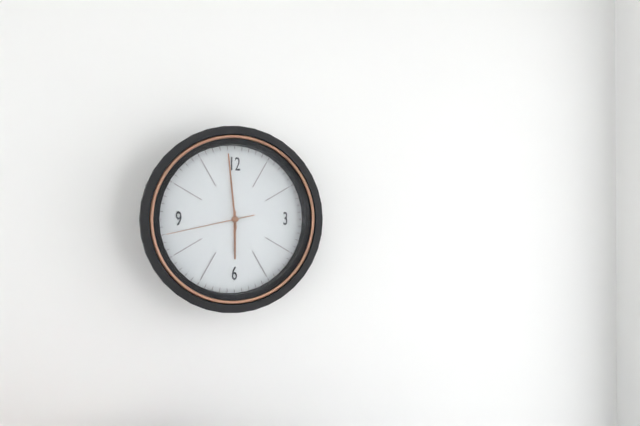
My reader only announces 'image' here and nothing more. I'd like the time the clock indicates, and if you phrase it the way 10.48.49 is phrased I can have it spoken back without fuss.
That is 5.59.43
